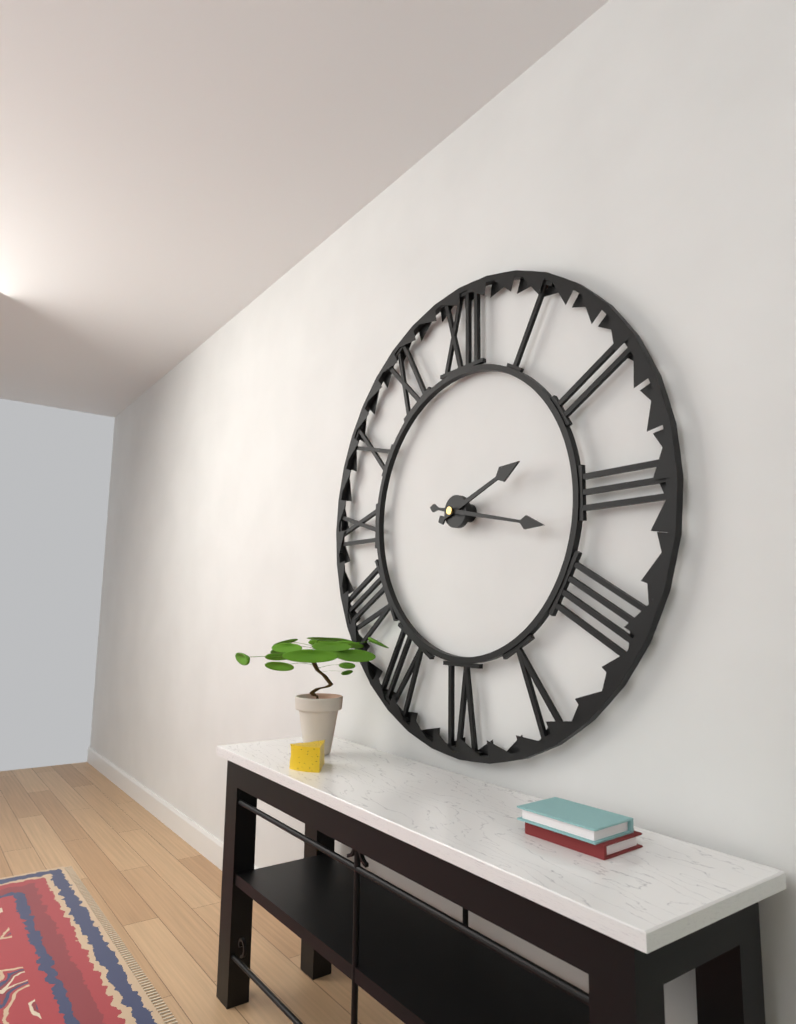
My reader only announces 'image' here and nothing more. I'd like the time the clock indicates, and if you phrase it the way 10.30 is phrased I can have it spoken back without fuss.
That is 2.17
